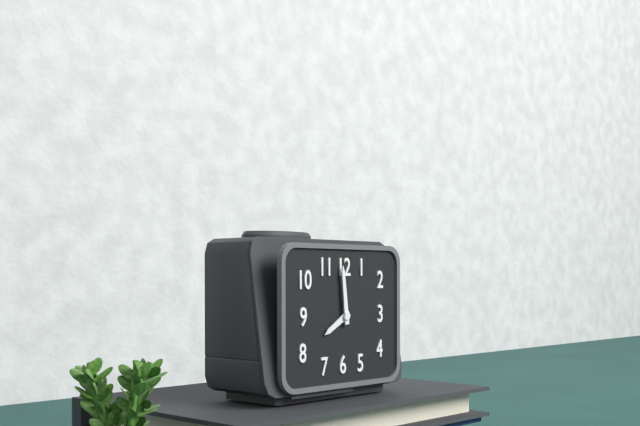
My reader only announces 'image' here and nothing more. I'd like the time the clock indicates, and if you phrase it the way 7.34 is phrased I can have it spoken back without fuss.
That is 7.59
